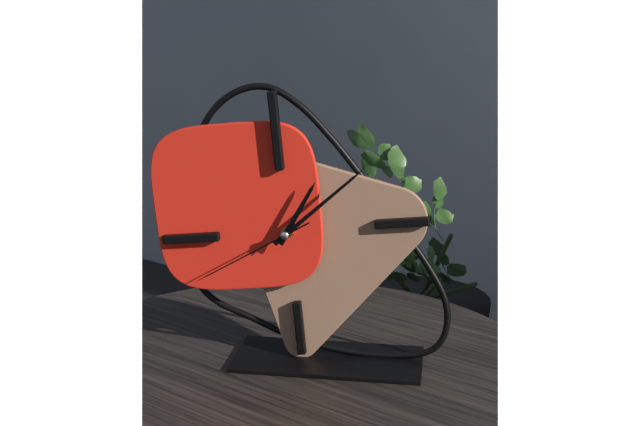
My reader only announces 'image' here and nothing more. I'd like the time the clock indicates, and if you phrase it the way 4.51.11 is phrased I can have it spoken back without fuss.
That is 1.09.41
